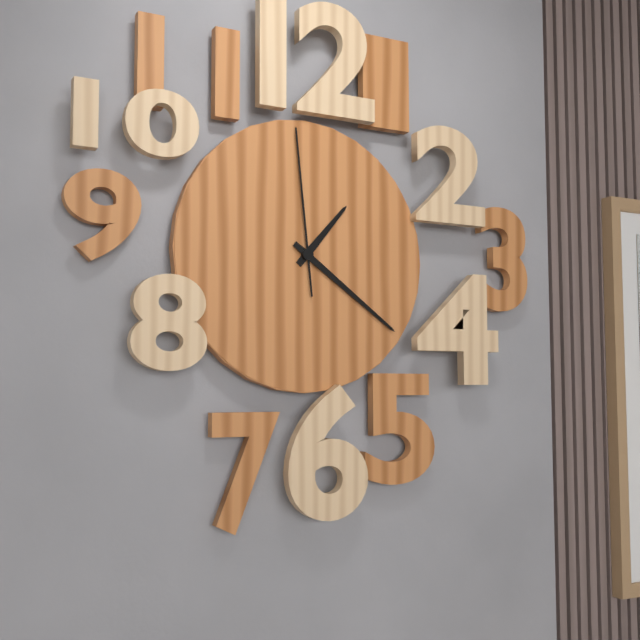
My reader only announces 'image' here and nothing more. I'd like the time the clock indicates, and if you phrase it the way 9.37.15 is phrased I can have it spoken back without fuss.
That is 1.21.59
